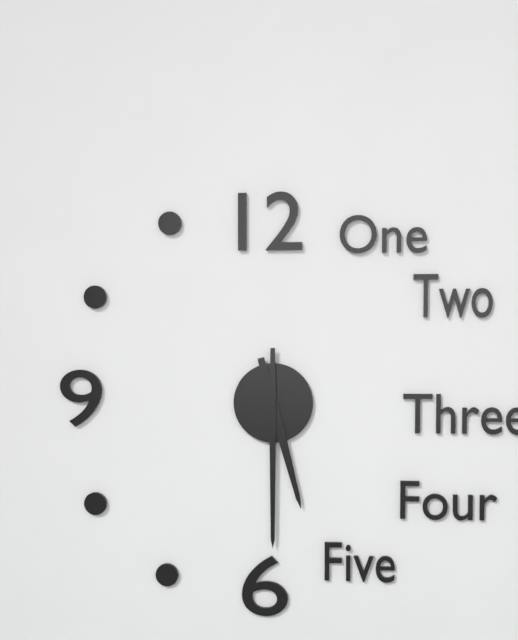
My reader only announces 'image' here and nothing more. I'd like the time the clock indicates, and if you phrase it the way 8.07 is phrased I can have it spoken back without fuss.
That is 5.30
